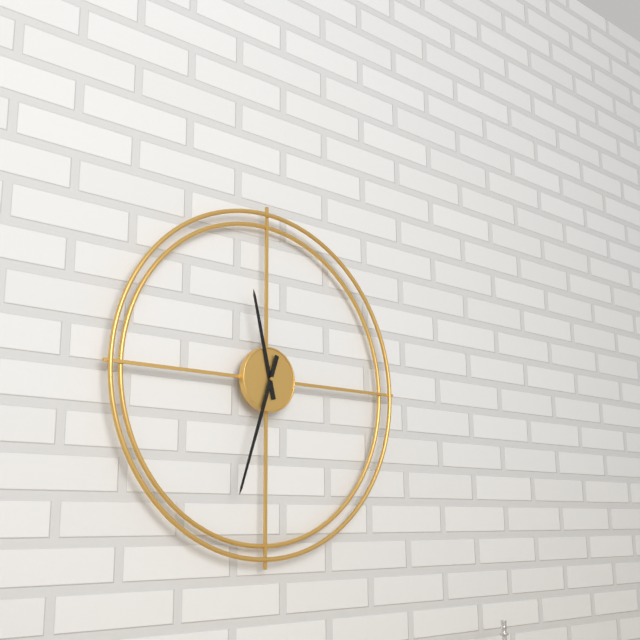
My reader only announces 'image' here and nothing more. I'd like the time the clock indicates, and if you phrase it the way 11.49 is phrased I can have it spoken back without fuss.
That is 11.33
